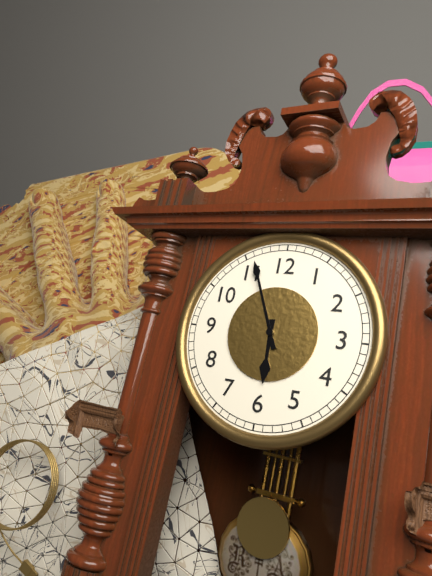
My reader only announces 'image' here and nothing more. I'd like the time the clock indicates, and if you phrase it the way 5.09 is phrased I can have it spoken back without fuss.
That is 5.56
